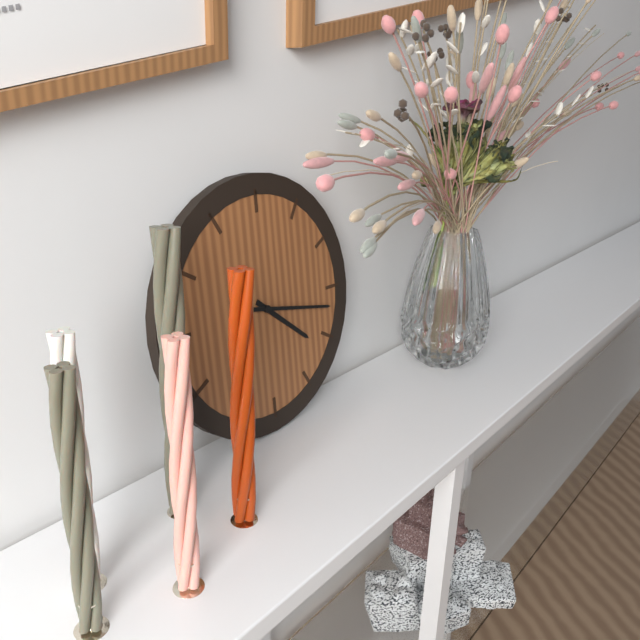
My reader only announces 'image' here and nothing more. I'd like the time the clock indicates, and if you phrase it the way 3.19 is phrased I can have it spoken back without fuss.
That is 4.17
